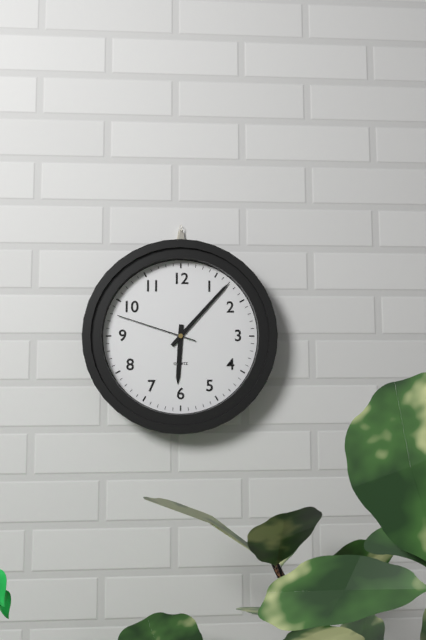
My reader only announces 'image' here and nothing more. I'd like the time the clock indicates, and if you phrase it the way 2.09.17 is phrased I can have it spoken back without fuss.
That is 6.07.48
